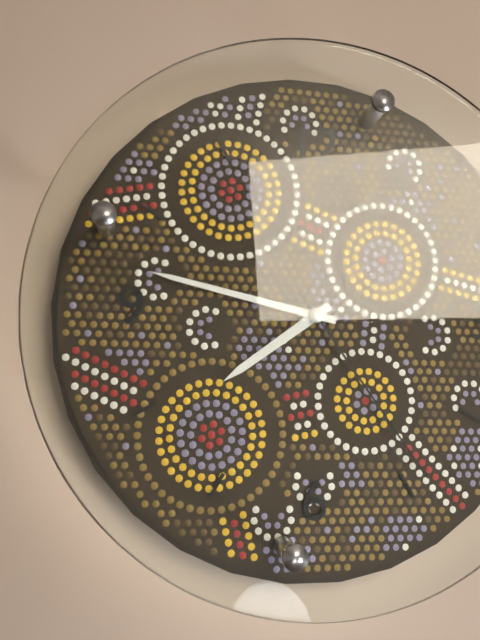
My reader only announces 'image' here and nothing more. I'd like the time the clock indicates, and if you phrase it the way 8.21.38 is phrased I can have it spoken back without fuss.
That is 7.47.24
